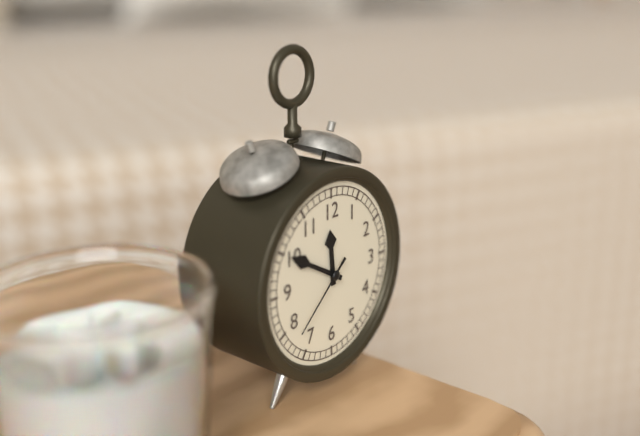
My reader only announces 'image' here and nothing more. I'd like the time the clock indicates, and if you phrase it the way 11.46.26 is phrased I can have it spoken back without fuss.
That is 11.50.38
